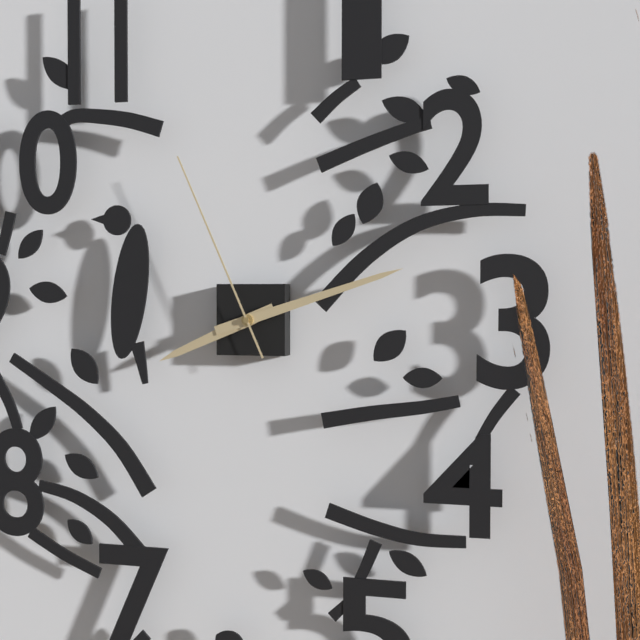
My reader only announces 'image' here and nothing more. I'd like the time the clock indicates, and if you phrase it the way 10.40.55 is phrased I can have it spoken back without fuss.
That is 8.12.56
